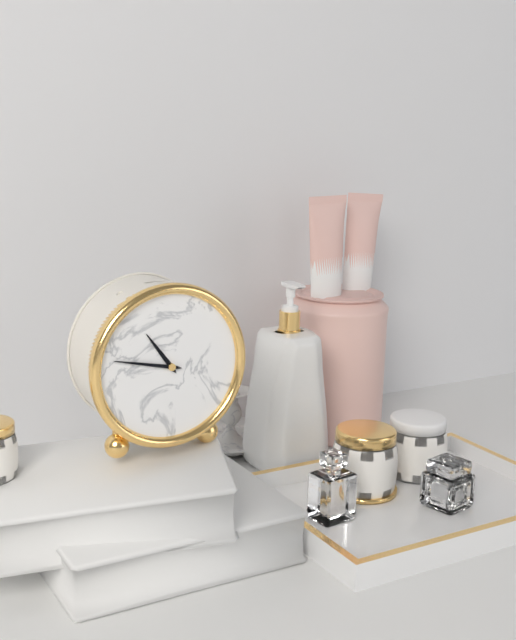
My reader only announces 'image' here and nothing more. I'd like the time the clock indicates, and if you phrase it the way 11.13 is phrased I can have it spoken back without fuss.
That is 10.47
